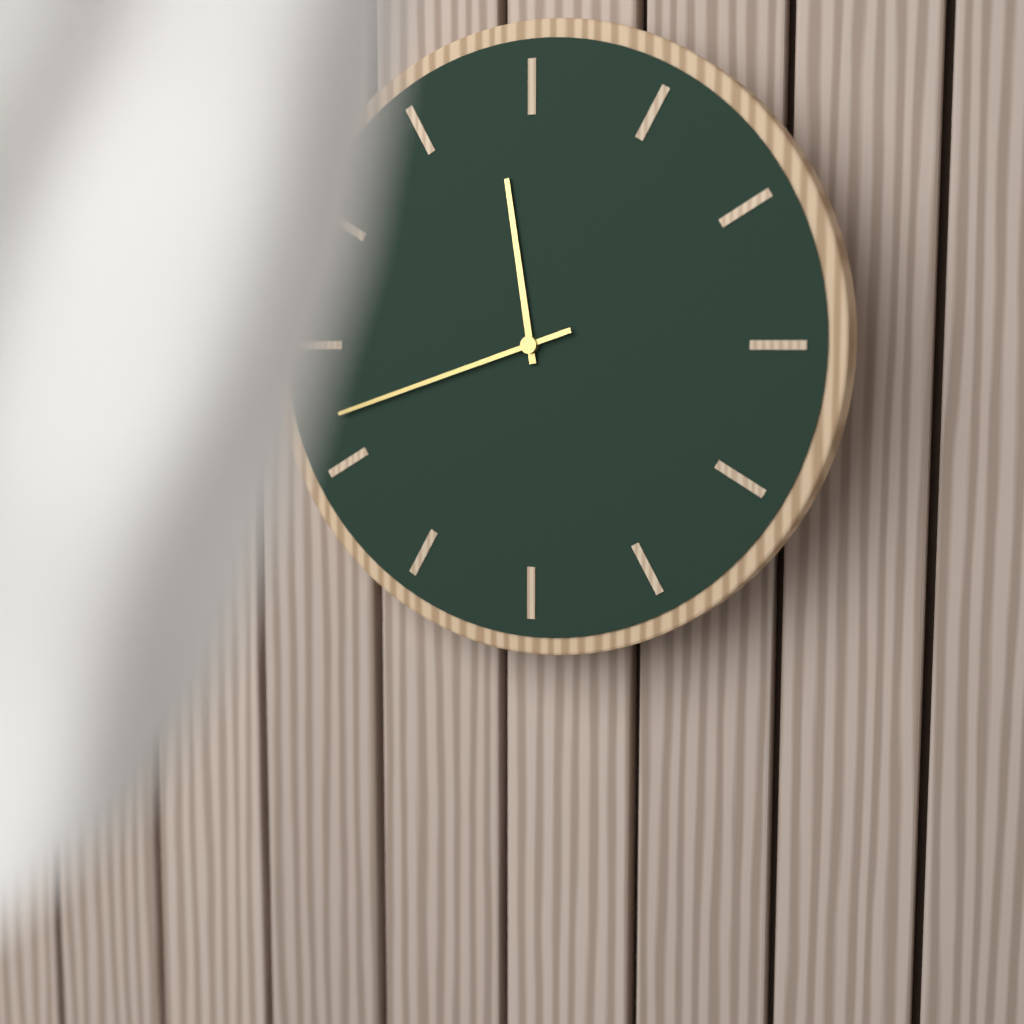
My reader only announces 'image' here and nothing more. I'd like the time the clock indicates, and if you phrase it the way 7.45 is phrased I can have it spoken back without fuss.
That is 11.42
